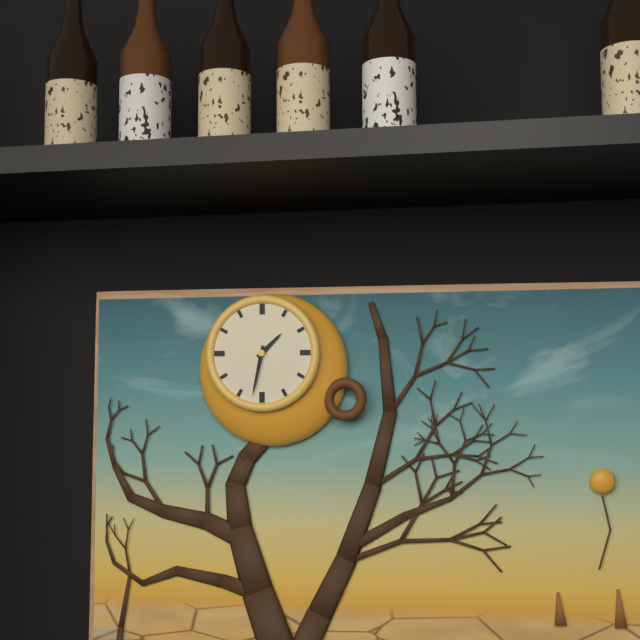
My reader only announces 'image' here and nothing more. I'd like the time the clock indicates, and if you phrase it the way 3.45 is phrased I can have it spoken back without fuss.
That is 1.32
